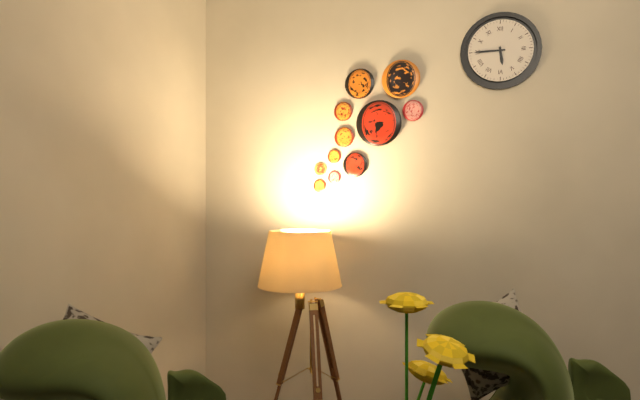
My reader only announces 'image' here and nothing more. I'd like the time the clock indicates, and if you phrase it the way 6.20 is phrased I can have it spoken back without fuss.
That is 5.45
